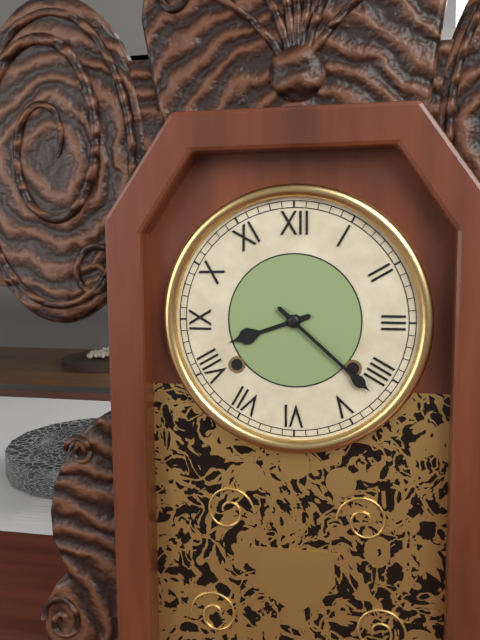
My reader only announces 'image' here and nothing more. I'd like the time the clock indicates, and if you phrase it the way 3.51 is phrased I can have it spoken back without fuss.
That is 8.22
